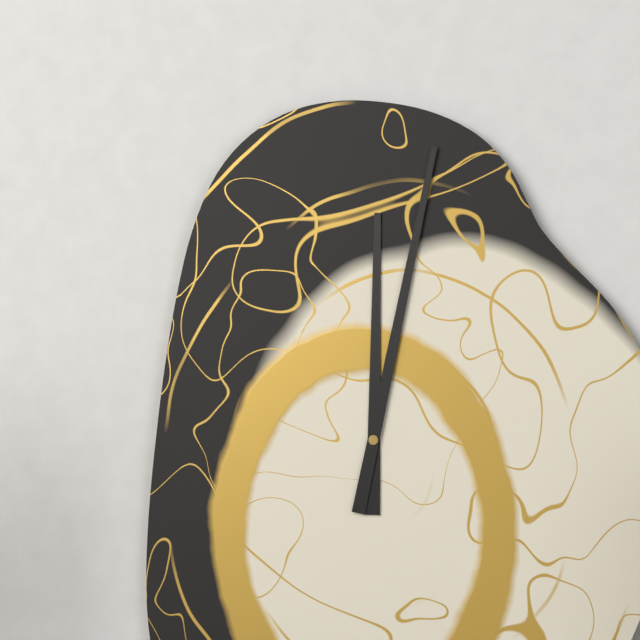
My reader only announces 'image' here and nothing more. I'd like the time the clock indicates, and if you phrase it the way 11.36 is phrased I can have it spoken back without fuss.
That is 12.02
